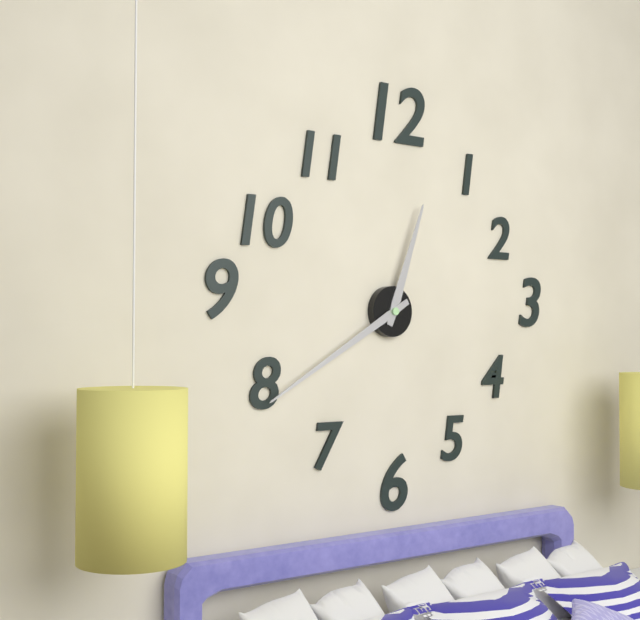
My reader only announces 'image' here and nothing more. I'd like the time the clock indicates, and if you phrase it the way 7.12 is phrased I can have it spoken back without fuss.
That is 12.40
